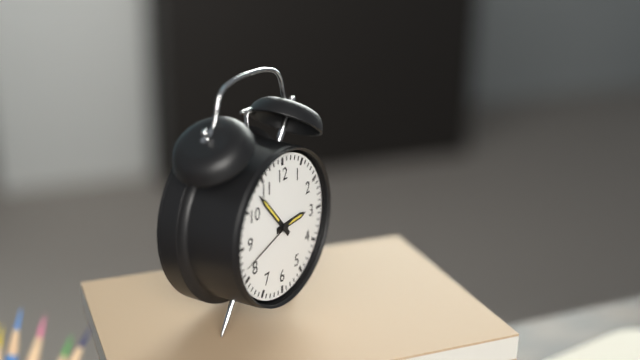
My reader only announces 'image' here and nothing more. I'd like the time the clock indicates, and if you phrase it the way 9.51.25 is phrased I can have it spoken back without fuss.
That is 2.53.42
